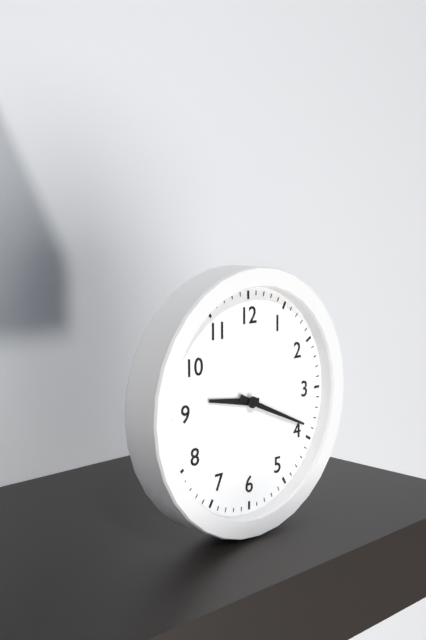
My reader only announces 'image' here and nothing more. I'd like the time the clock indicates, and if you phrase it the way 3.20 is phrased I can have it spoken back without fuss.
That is 9.19
